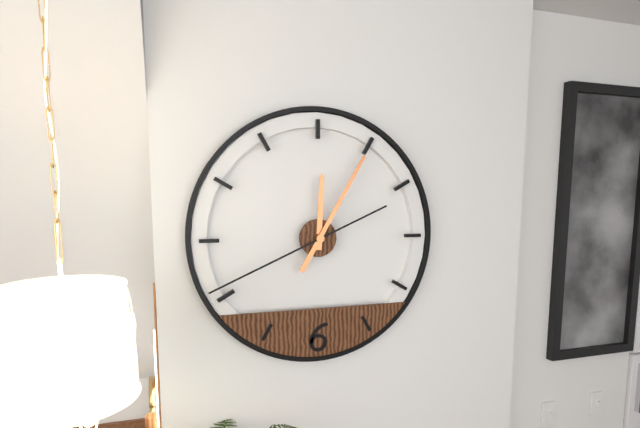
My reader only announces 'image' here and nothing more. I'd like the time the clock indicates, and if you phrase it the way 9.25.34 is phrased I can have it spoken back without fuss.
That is 12.05.41
